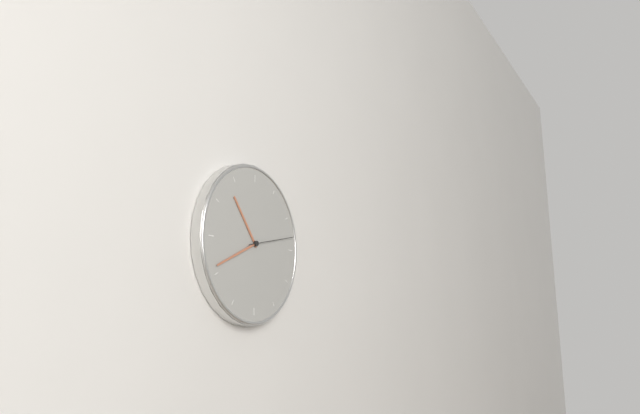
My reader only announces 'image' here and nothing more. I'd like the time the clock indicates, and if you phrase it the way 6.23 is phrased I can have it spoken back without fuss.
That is 10.41
